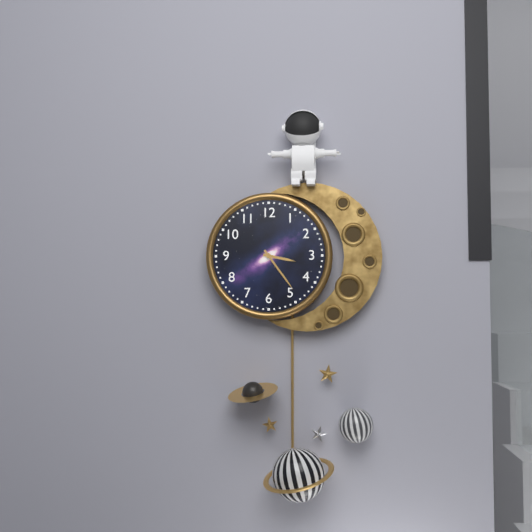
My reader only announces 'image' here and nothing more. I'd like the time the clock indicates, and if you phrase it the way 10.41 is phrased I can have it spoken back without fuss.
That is 3.24
